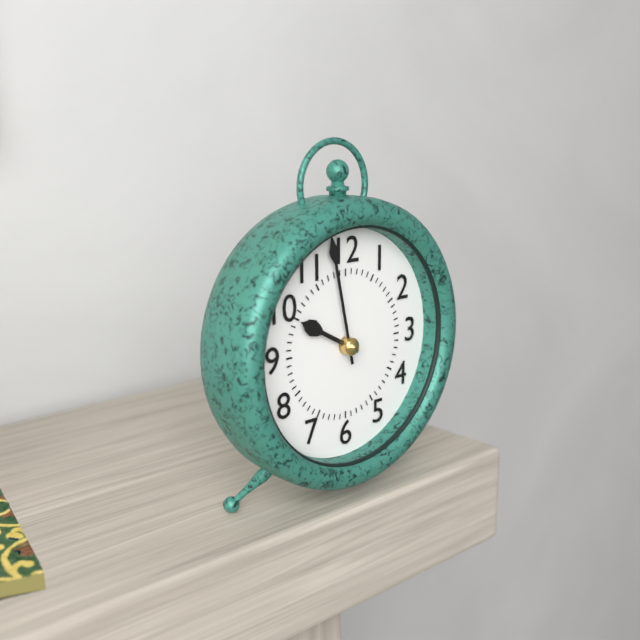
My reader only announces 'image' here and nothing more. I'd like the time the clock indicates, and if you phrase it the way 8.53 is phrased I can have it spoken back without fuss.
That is 9.58
